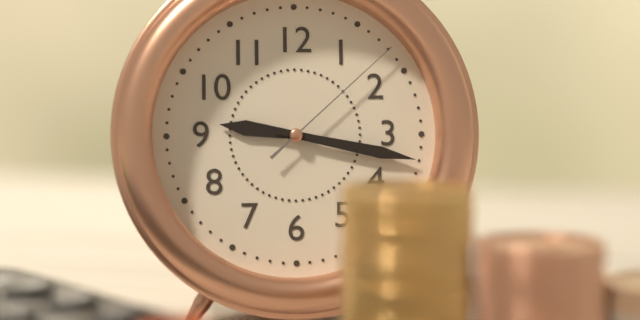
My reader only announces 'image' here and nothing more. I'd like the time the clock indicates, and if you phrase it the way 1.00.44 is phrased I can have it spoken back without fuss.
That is 9.17.08
